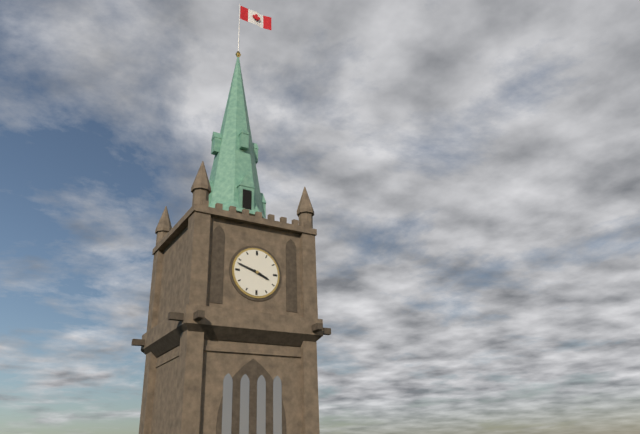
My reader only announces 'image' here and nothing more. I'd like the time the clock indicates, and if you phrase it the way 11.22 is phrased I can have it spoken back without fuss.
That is 3.48
